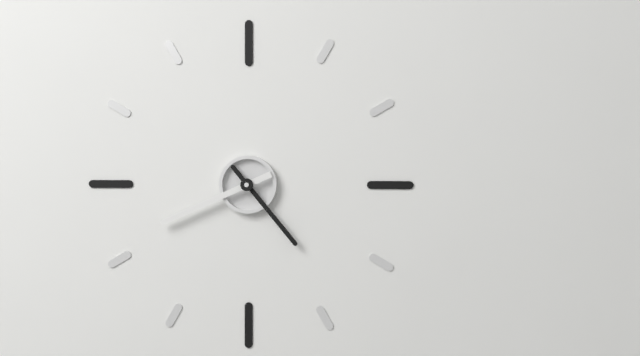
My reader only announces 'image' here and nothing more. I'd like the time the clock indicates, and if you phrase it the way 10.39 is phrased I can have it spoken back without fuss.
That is 4.41
